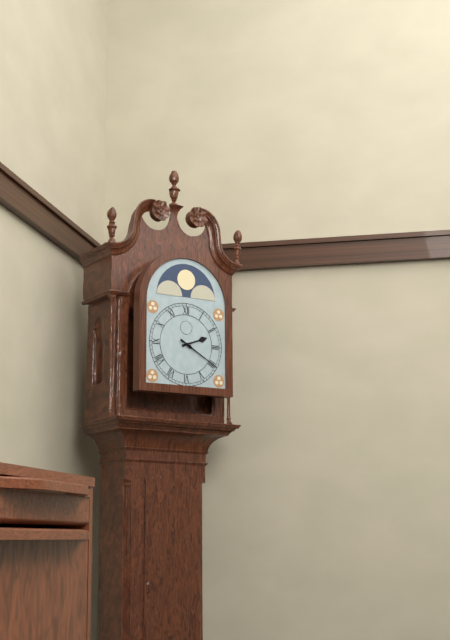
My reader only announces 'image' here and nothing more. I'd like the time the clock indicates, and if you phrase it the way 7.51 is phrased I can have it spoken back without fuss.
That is 2.20
